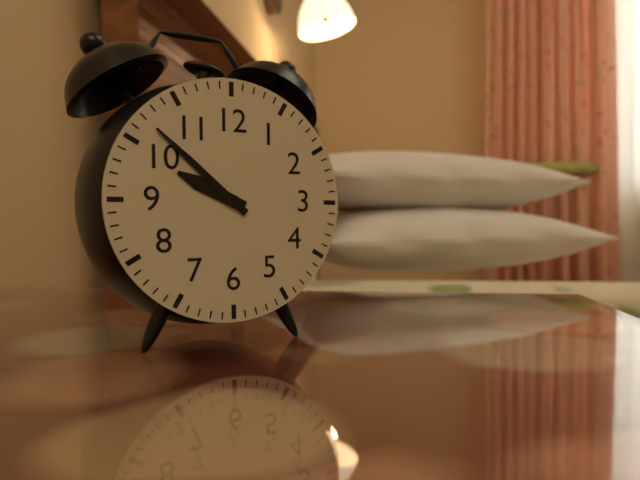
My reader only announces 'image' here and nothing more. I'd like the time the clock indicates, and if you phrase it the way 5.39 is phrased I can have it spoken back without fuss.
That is 9.52
